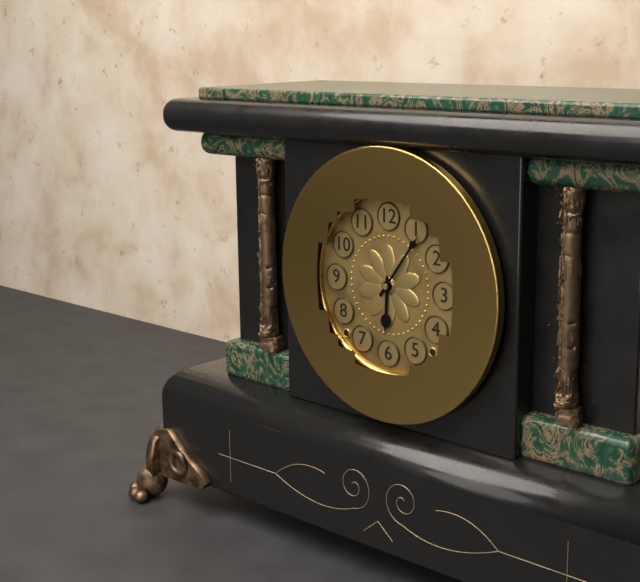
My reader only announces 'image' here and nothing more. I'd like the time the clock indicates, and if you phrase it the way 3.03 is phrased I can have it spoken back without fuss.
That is 6.06
